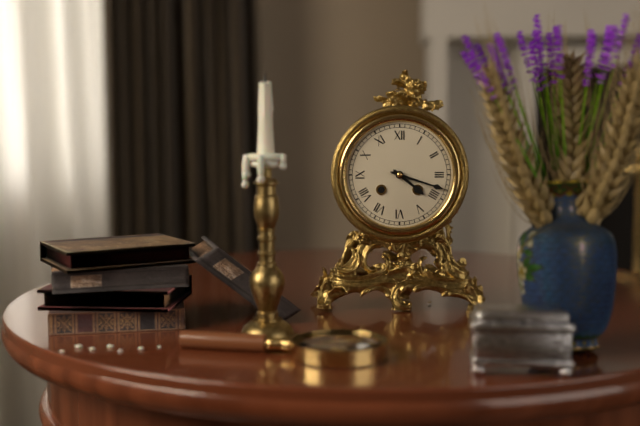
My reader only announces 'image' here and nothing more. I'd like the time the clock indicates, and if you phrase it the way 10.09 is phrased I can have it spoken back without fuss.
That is 4.18
